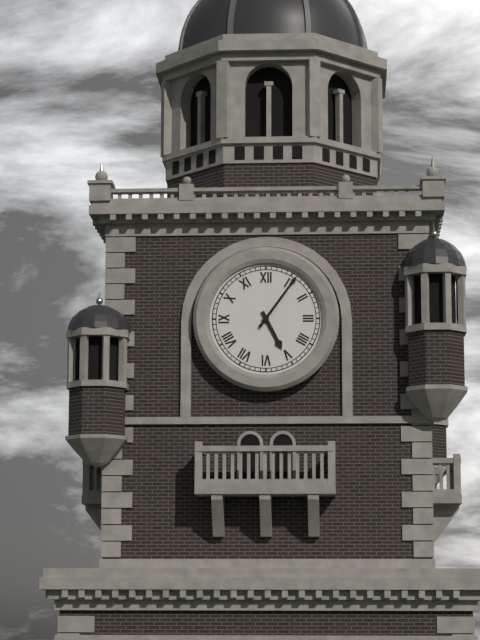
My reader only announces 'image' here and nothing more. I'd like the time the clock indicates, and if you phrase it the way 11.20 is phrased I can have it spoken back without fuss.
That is 5.06
